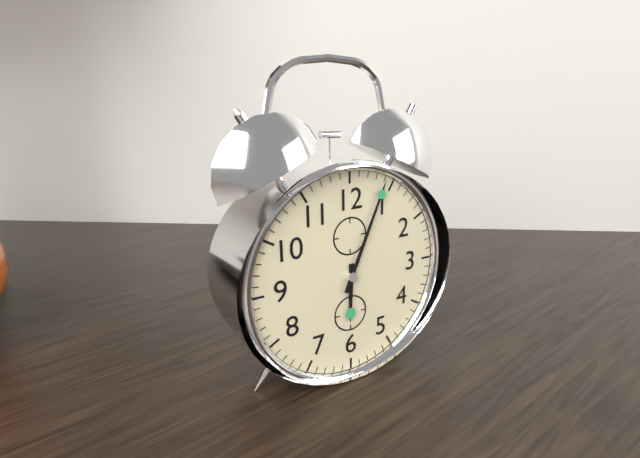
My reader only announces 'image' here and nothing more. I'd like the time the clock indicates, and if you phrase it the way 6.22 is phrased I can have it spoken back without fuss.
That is 6.04
